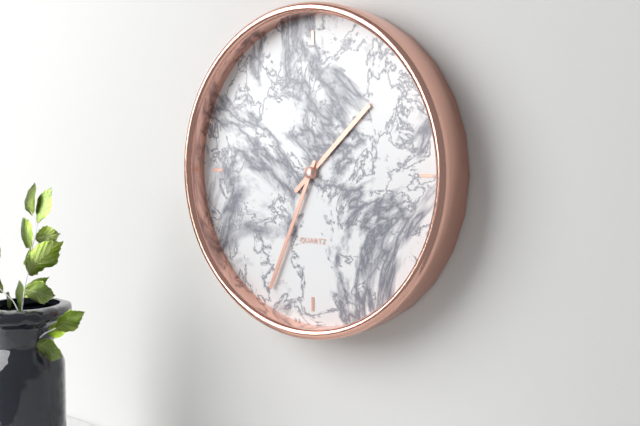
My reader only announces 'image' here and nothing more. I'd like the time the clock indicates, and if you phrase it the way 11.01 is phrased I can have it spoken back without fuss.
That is 1.34
